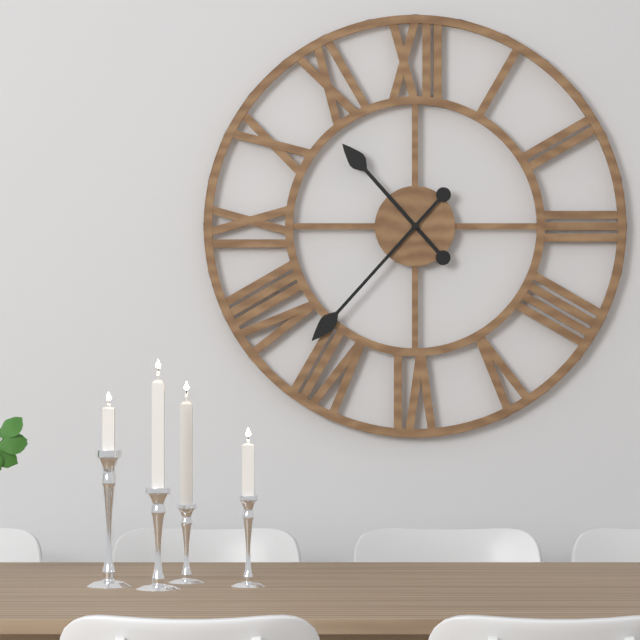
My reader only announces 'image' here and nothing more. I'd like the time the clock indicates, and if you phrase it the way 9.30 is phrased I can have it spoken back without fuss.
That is 10.37
